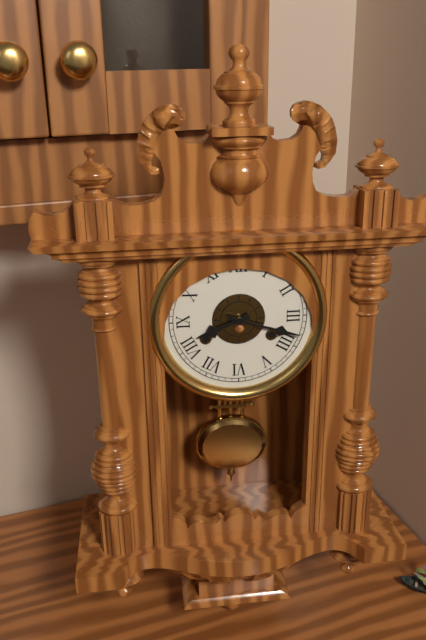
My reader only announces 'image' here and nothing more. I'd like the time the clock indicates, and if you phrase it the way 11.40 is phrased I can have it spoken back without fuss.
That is 8.18
